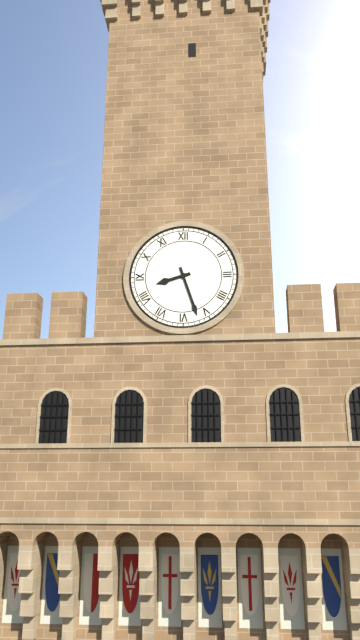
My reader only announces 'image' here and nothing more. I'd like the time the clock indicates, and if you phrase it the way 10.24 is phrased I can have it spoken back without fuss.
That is 8.27
